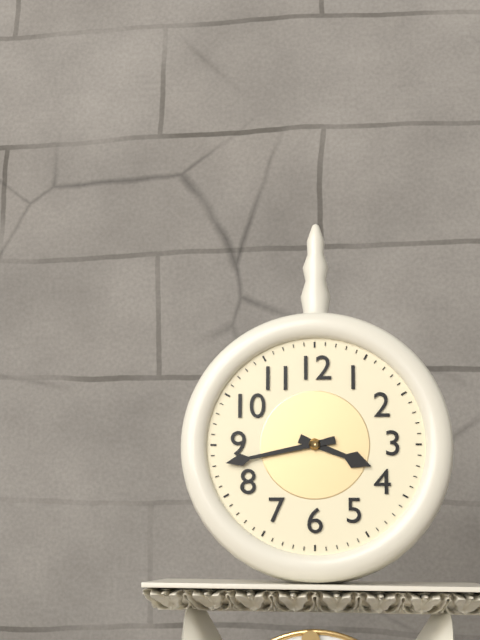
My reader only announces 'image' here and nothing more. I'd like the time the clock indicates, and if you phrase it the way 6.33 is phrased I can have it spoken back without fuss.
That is 3.43
